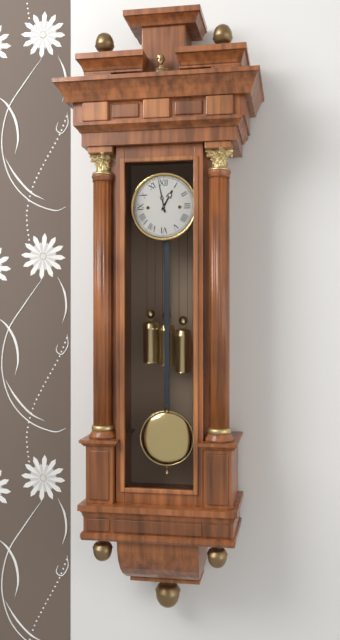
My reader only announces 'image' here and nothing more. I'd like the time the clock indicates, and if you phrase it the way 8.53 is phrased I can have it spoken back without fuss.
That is 12.58
